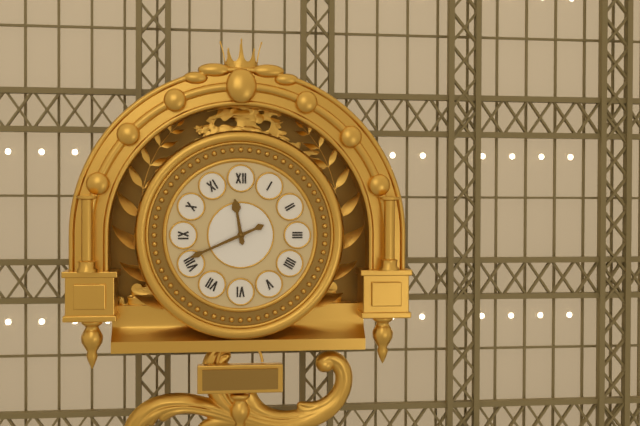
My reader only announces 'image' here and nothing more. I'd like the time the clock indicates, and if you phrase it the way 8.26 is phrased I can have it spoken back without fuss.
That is 11.41
